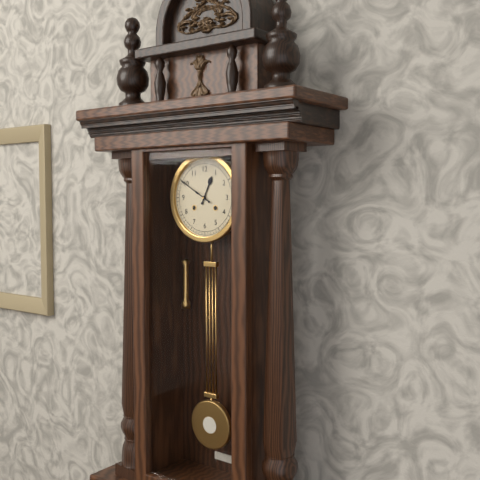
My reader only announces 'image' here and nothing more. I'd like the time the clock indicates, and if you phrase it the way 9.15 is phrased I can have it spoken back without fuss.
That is 12.50
